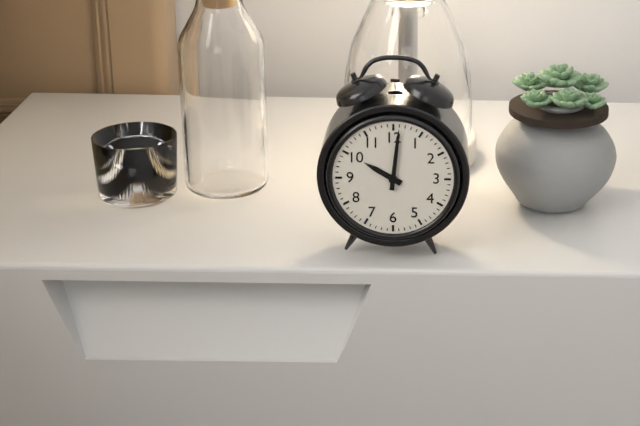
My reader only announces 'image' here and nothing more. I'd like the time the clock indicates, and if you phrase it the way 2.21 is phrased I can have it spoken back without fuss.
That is 10.01
